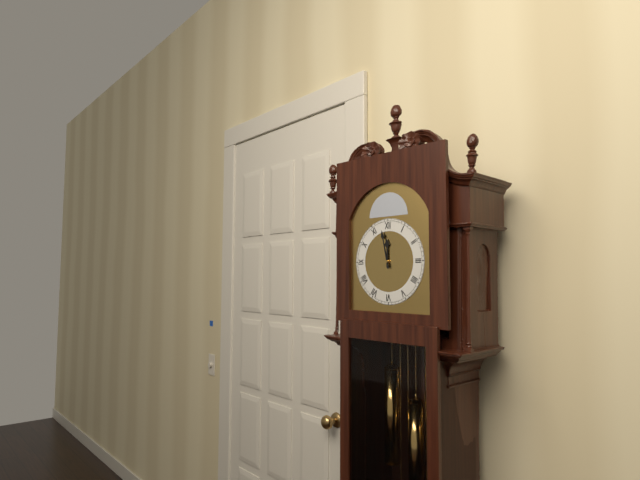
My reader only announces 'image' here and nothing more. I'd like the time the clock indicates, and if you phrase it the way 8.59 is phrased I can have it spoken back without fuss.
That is 11.58
